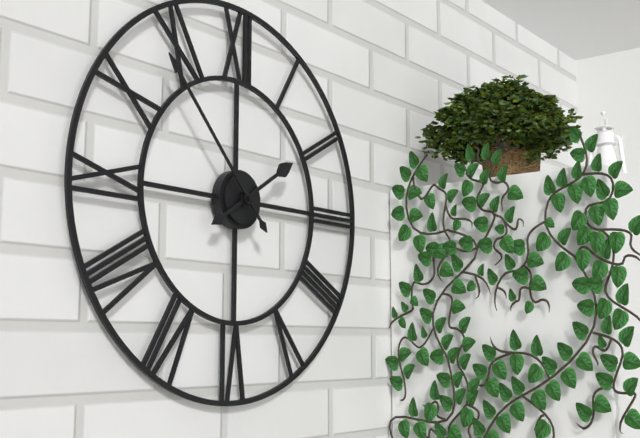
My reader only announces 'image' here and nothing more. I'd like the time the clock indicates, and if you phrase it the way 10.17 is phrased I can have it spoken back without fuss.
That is 1.53
